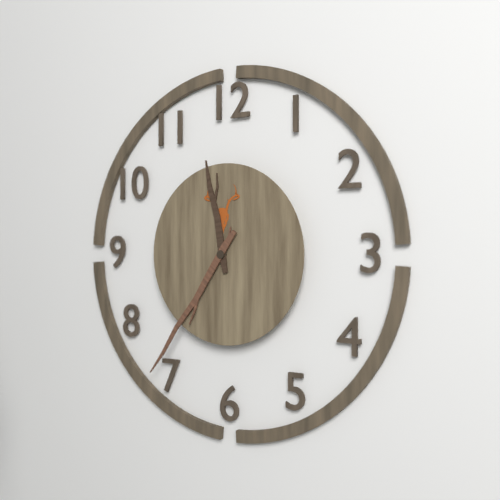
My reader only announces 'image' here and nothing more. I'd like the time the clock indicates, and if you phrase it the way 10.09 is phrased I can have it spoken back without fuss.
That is 11.36
